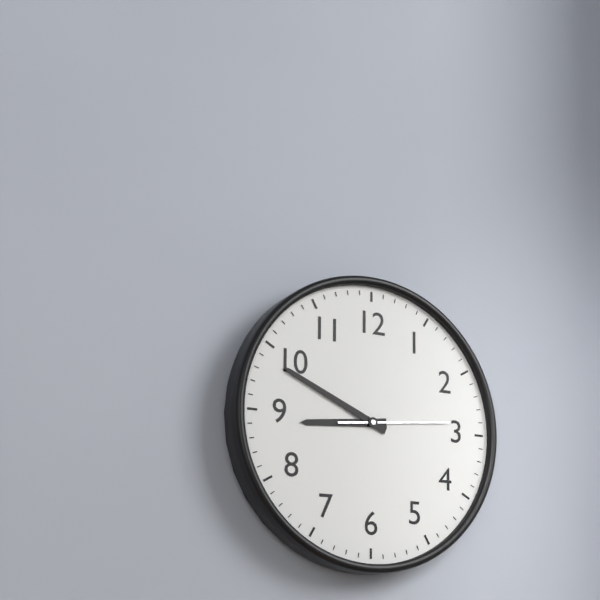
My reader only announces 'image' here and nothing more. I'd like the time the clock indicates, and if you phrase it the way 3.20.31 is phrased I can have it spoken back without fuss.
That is 8.49.14
